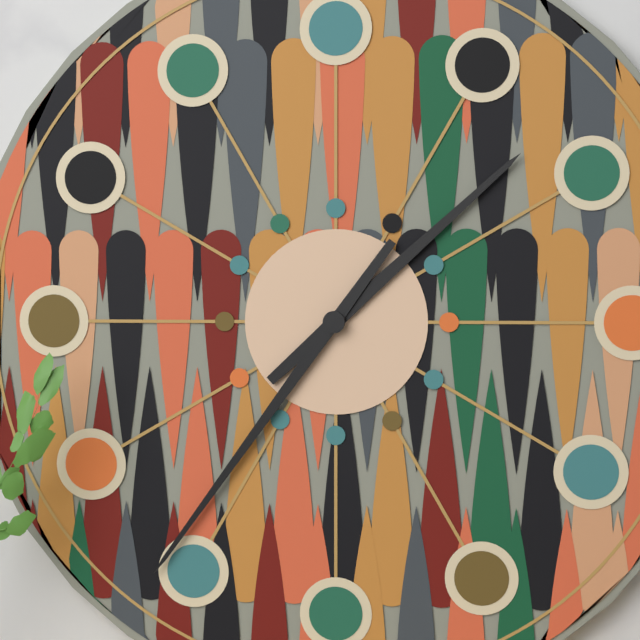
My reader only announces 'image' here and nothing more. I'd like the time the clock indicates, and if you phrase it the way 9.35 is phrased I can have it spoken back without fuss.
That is 1.36
